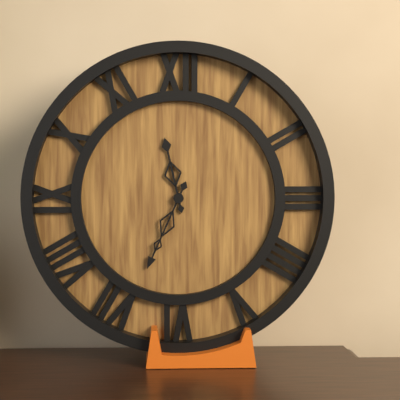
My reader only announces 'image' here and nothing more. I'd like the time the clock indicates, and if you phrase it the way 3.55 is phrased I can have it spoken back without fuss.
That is 11.34
